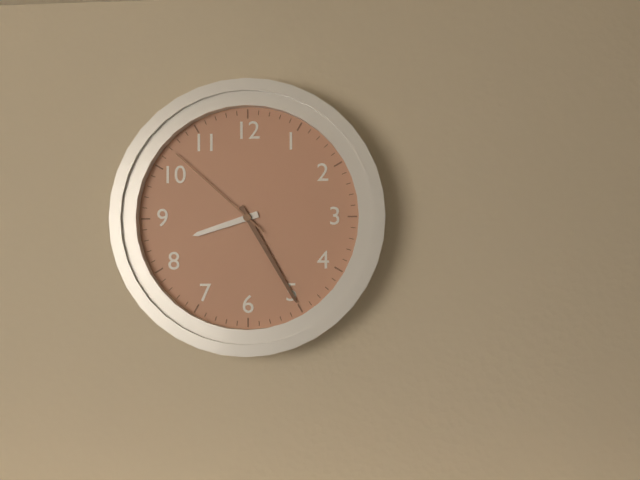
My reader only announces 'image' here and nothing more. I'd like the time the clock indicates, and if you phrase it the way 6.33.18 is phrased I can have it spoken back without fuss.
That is 8.25.52
